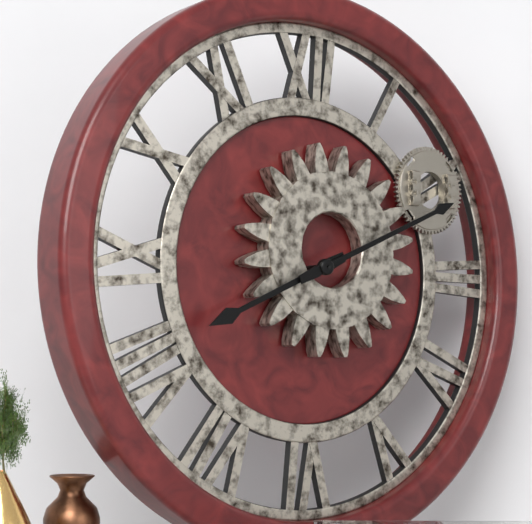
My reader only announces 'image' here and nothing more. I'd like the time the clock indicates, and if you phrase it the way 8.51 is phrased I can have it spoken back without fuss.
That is 8.11
